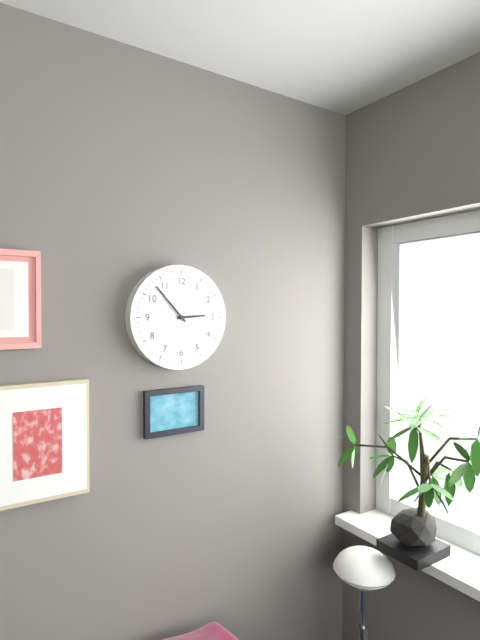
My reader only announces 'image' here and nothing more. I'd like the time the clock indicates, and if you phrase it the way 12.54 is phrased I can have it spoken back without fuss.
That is 2.53
